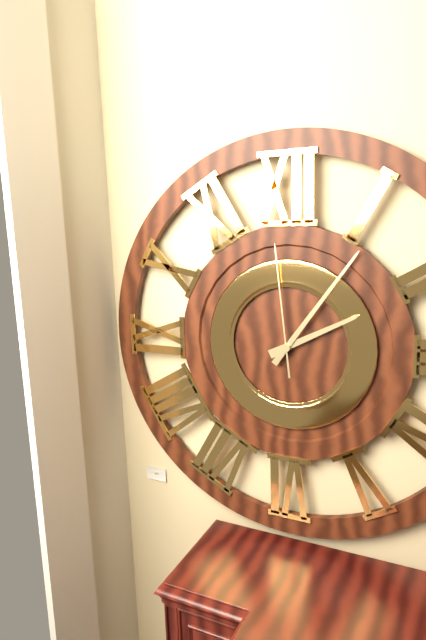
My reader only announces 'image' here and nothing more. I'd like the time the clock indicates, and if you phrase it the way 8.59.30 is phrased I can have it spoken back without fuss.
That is 2.06.59
